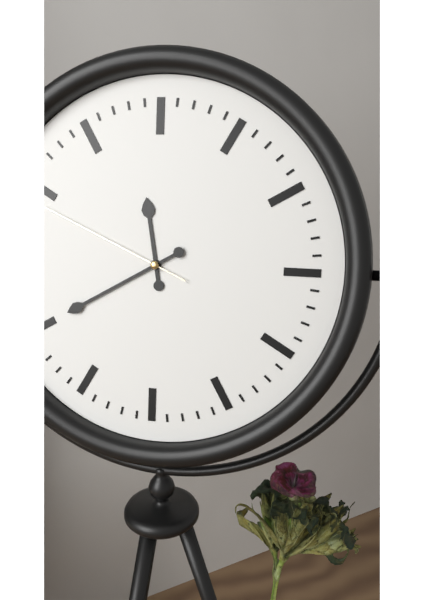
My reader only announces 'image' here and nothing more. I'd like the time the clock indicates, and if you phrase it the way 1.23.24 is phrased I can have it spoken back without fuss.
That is 11.40.49
